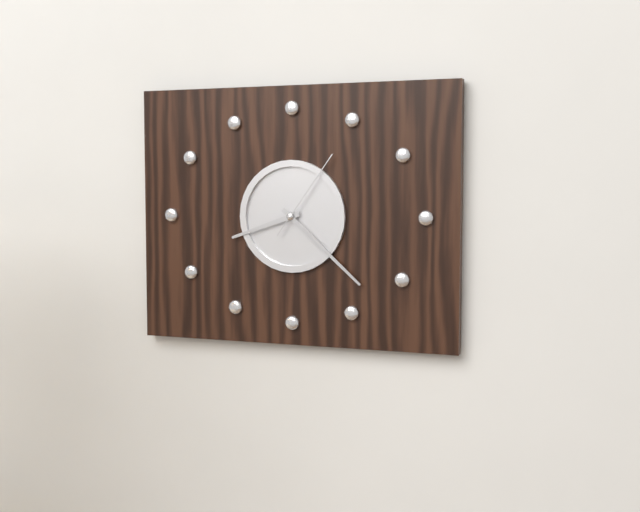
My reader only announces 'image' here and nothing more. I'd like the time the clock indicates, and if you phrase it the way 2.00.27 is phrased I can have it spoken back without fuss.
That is 8.22.06
